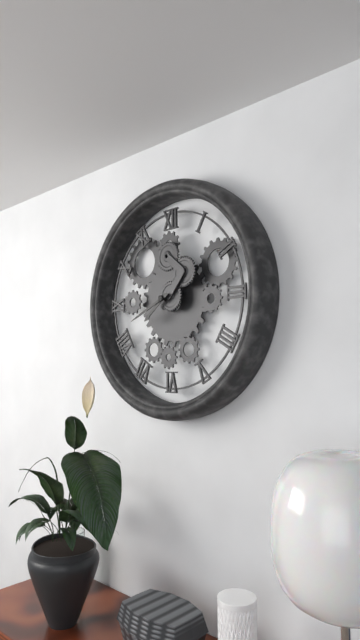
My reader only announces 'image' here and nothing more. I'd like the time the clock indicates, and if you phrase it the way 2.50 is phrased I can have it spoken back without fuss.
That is 7.41
